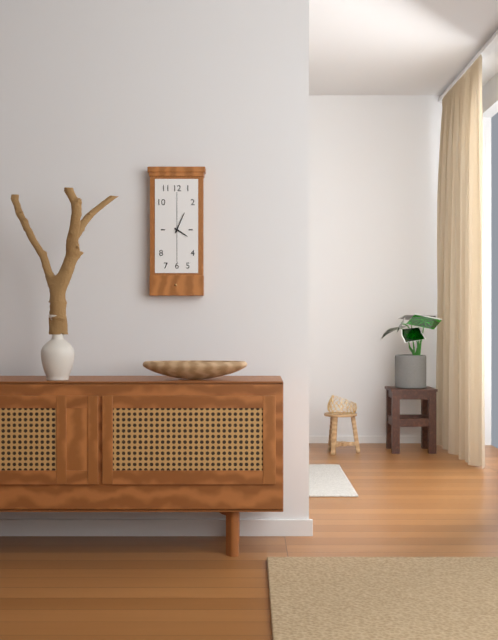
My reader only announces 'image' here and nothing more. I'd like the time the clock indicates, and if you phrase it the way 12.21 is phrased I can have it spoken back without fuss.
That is 4.04
